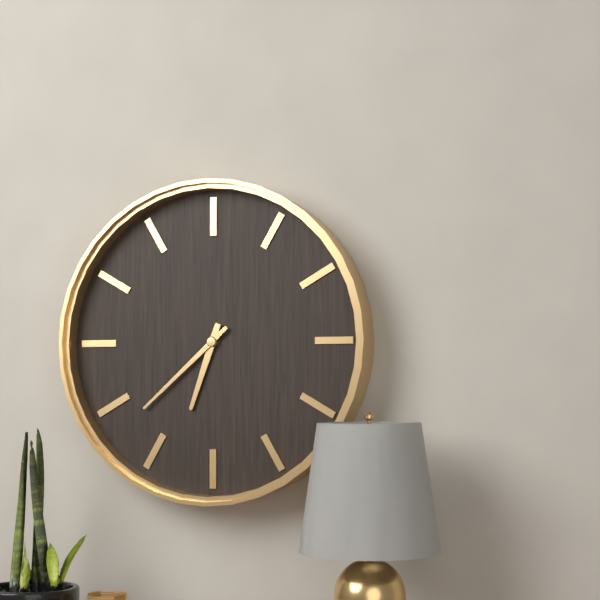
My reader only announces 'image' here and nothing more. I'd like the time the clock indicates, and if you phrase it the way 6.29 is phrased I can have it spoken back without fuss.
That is 6.38
